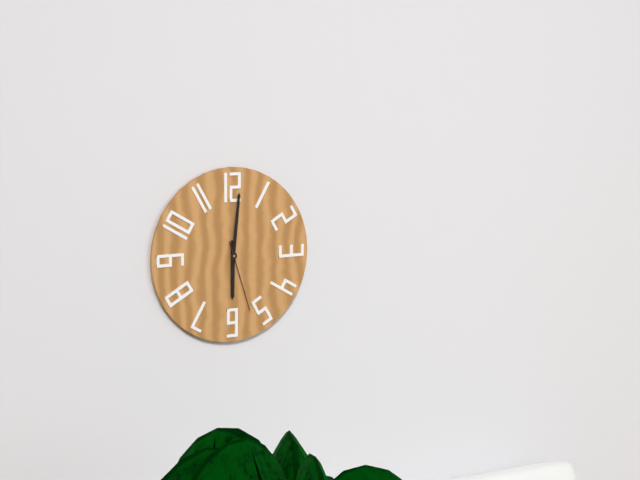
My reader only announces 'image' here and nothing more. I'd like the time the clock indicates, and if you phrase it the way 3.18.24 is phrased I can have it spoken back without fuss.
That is 6.01.27
